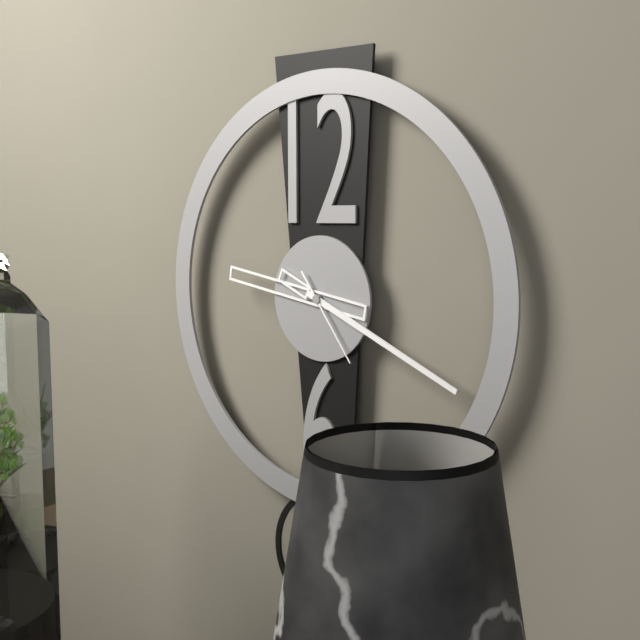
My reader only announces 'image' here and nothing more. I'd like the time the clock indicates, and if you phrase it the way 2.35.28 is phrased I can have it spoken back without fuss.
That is 9.19.24
